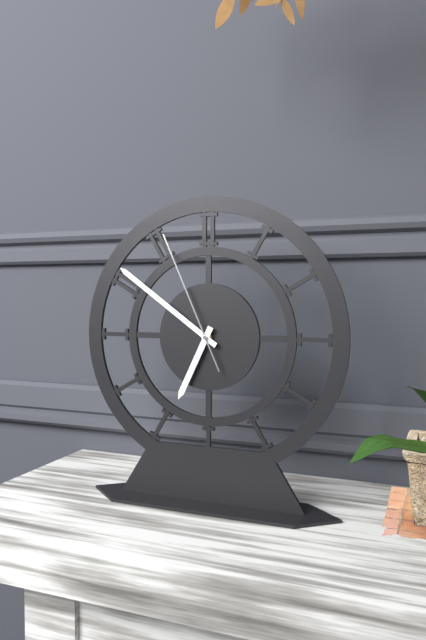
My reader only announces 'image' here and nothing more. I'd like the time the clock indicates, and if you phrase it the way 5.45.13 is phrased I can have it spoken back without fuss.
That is 6.51.56
